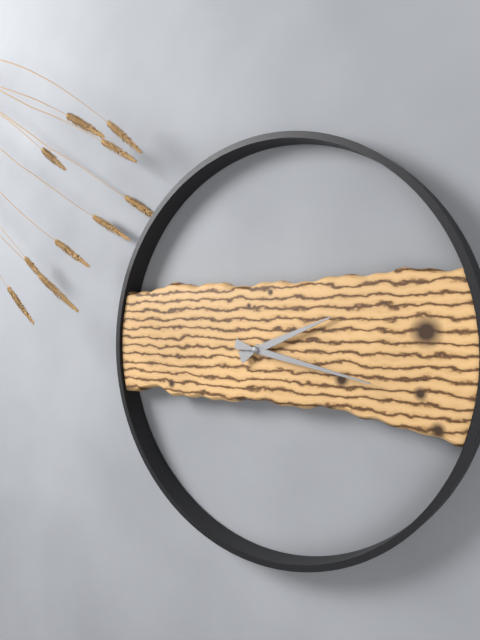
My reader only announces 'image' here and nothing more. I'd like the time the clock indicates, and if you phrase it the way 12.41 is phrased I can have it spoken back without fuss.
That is 2.17
